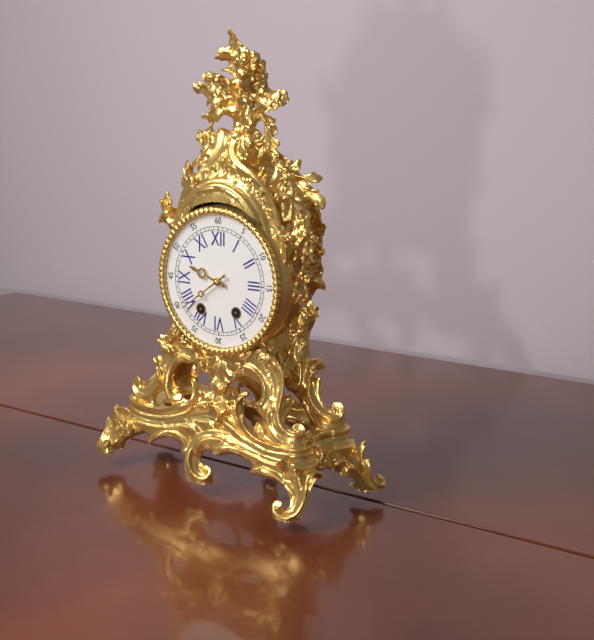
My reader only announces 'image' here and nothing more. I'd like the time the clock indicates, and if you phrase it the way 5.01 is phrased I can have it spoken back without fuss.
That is 9.39
